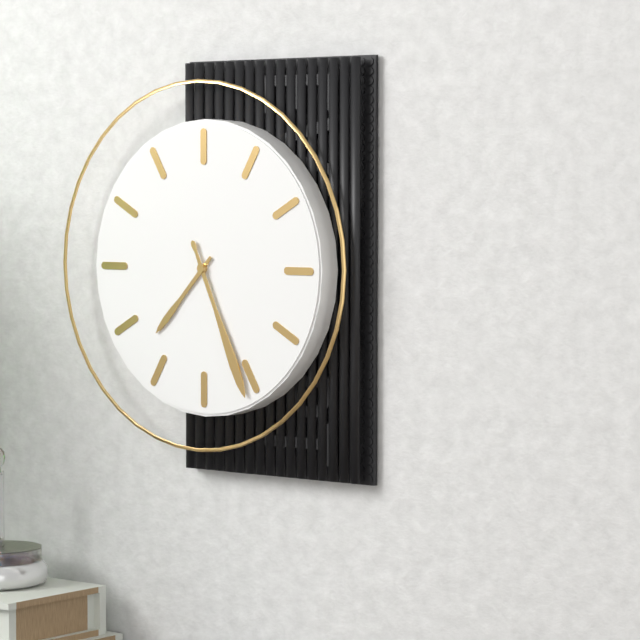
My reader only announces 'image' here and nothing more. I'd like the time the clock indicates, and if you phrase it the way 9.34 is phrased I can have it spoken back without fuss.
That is 7.26
